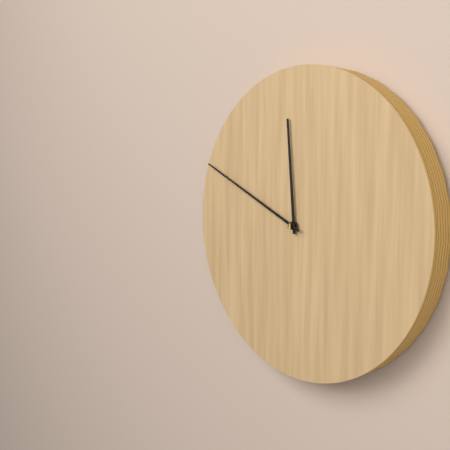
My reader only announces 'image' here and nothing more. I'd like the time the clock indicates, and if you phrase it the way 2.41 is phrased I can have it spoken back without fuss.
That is 11.49
